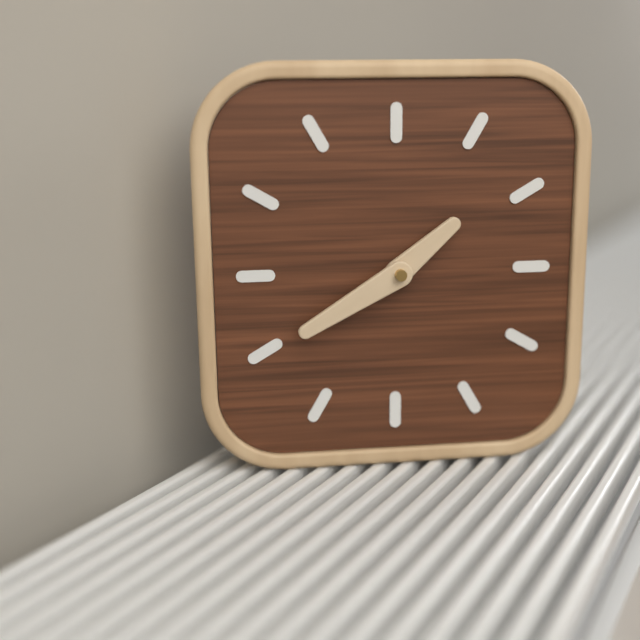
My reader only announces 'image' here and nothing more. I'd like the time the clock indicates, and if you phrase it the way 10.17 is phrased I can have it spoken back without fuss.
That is 1.40
